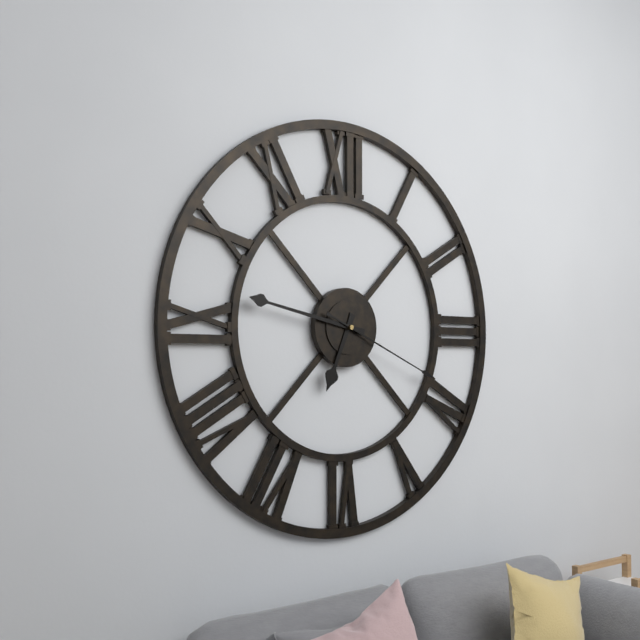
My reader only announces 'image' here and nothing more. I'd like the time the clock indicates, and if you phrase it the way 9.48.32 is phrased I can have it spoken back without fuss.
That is 6.47.19
